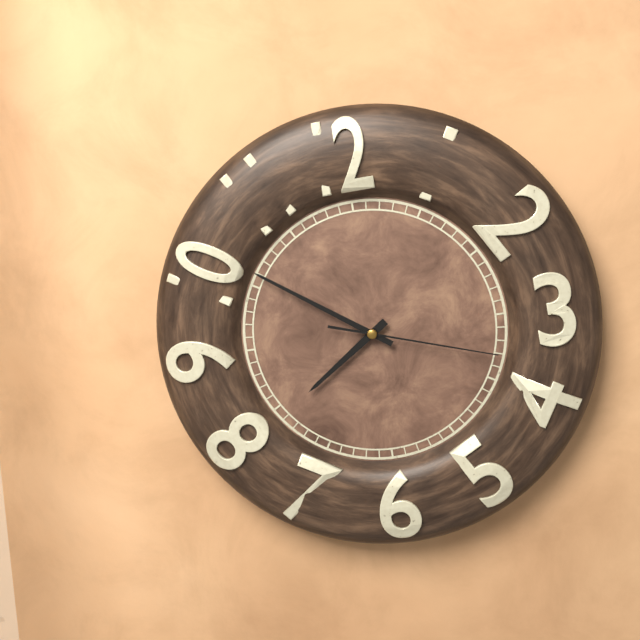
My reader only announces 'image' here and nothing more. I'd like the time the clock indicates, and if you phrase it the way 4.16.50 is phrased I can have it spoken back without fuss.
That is 7.51.18
